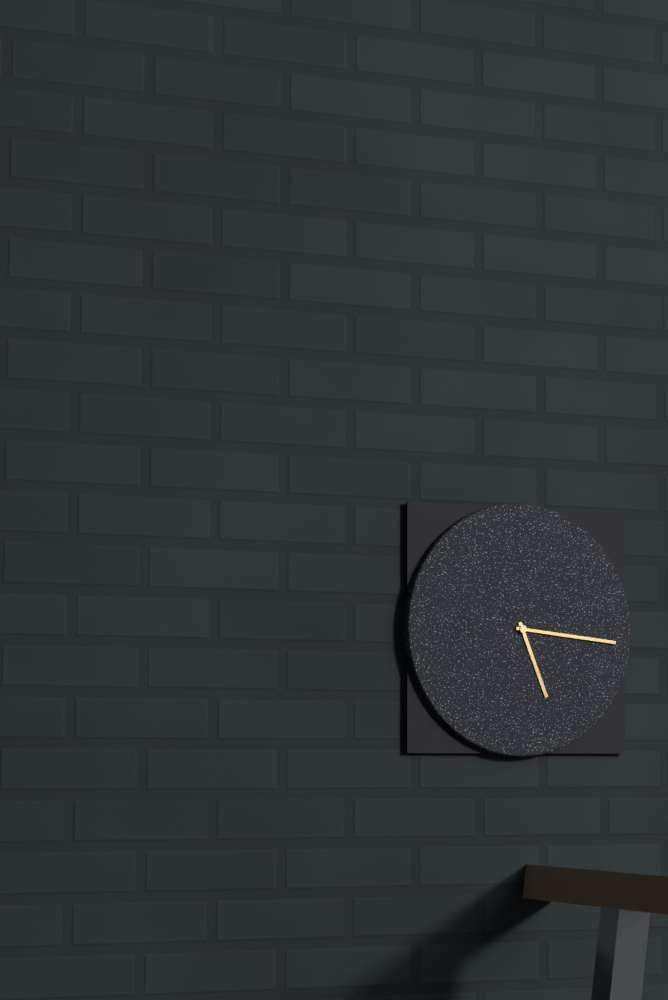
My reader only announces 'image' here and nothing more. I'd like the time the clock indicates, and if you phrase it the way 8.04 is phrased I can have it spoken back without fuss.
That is 5.16
